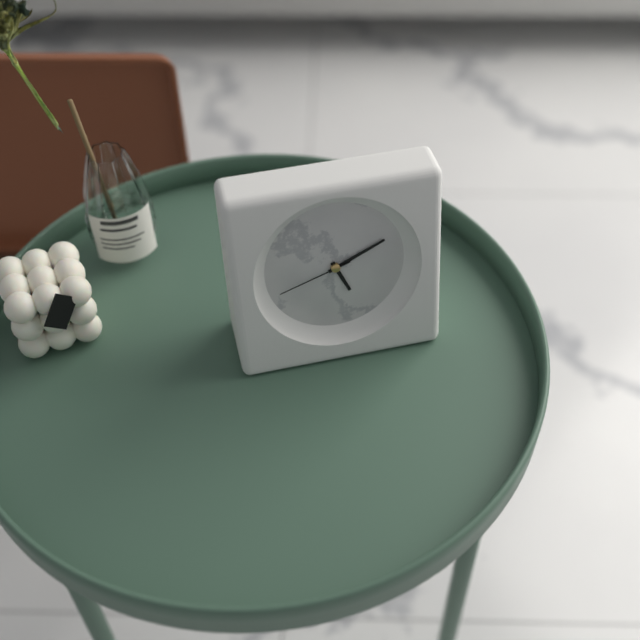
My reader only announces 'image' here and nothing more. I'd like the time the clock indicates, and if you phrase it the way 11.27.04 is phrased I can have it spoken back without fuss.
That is 5.11.42
